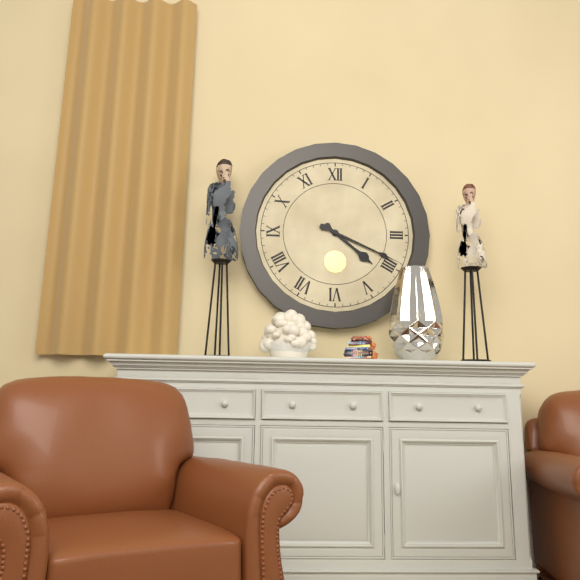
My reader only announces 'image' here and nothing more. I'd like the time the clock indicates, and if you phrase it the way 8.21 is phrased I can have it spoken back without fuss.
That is 4.19
